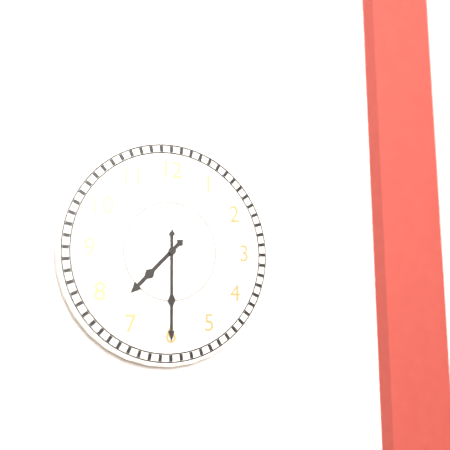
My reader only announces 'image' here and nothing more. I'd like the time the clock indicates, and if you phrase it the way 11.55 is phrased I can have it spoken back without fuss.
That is 7.30
